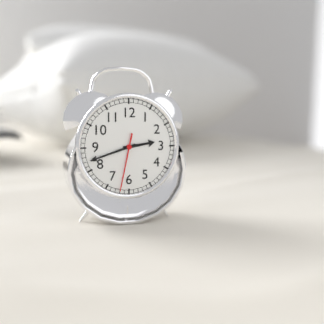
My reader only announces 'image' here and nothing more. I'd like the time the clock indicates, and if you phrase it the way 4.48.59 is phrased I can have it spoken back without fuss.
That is 2.42.32
